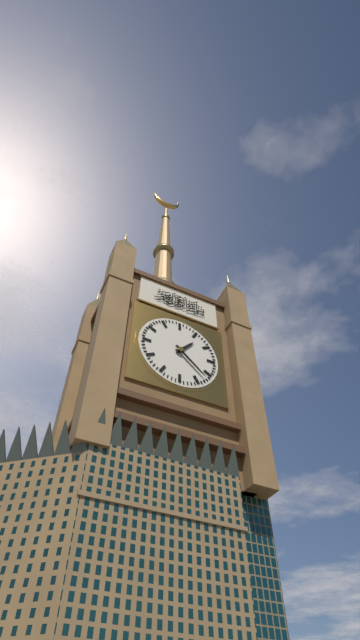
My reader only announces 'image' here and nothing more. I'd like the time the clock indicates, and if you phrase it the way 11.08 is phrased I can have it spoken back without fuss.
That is 1.22
